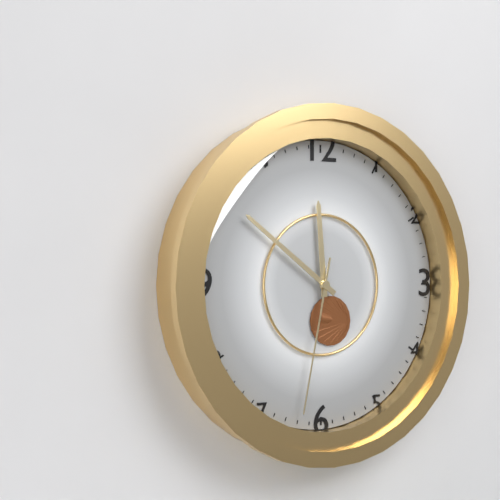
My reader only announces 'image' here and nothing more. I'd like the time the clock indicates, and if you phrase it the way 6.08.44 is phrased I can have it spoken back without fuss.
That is 11.51.32
